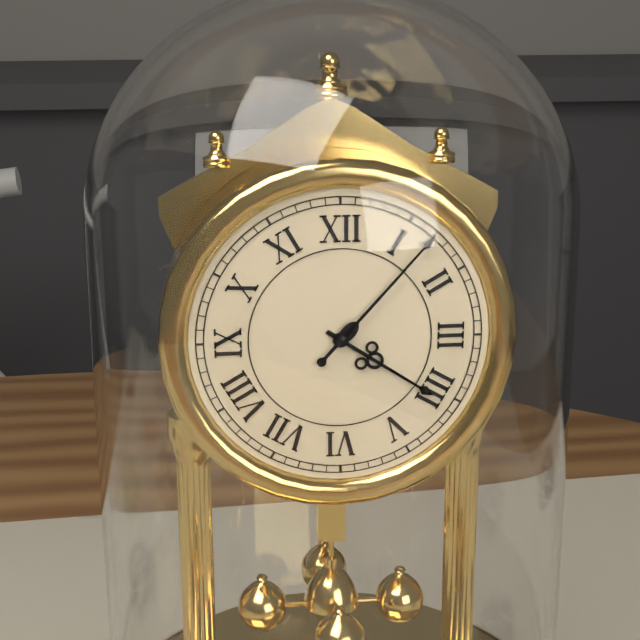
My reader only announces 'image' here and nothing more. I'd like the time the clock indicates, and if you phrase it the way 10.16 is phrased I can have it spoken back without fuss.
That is 4.07
